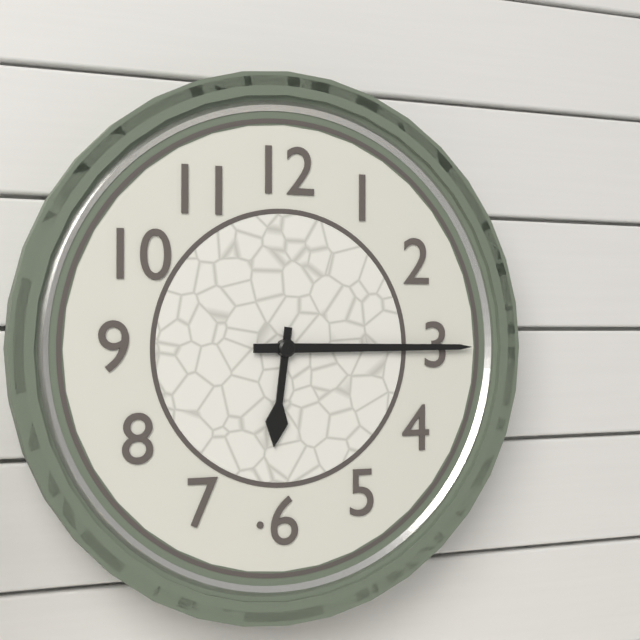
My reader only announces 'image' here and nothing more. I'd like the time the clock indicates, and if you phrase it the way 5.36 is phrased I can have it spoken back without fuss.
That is 6.15
